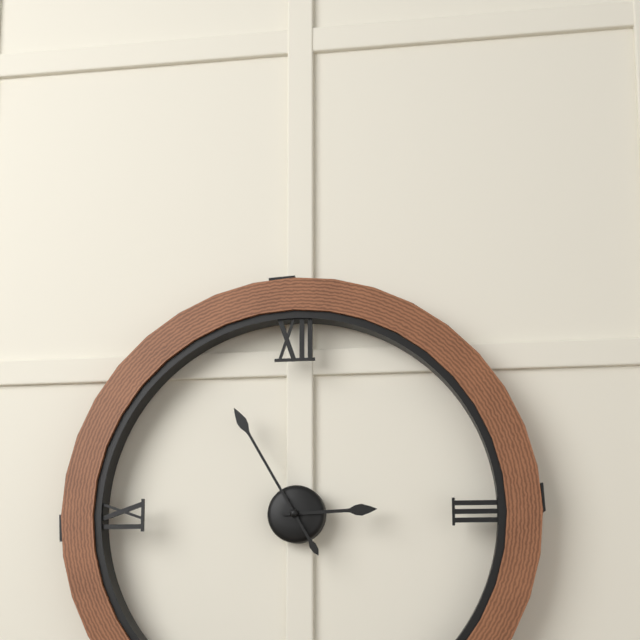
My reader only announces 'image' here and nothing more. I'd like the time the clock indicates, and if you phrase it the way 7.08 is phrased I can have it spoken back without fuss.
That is 2.55
